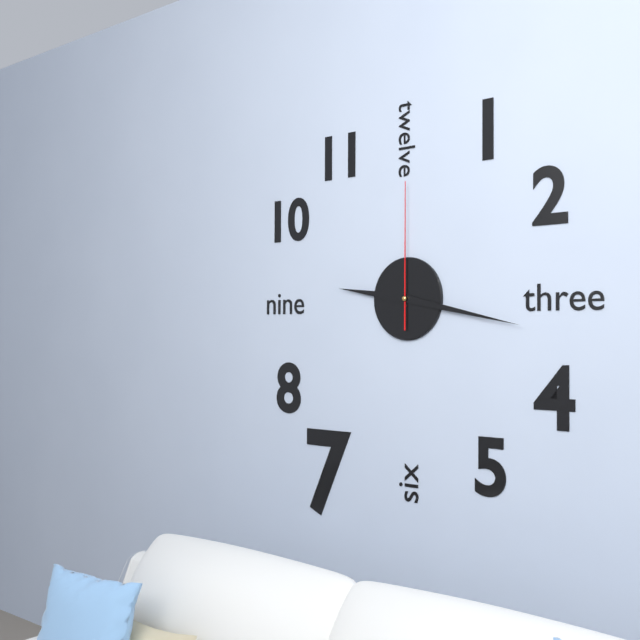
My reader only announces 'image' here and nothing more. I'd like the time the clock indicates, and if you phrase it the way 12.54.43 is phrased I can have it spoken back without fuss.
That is 9.17.00
